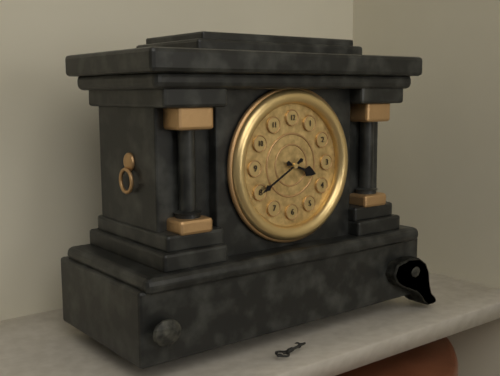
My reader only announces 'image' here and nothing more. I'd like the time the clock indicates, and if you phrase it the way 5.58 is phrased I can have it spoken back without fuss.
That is 3.40
